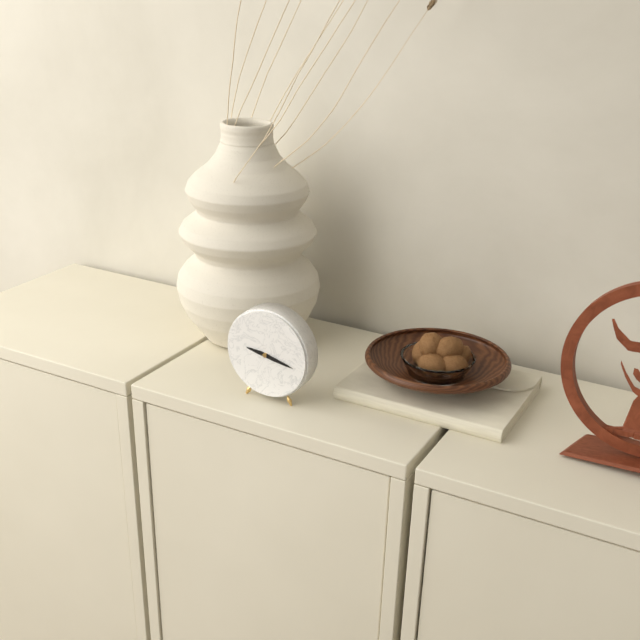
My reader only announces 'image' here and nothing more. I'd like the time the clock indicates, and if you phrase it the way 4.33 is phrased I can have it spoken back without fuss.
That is 9.17
